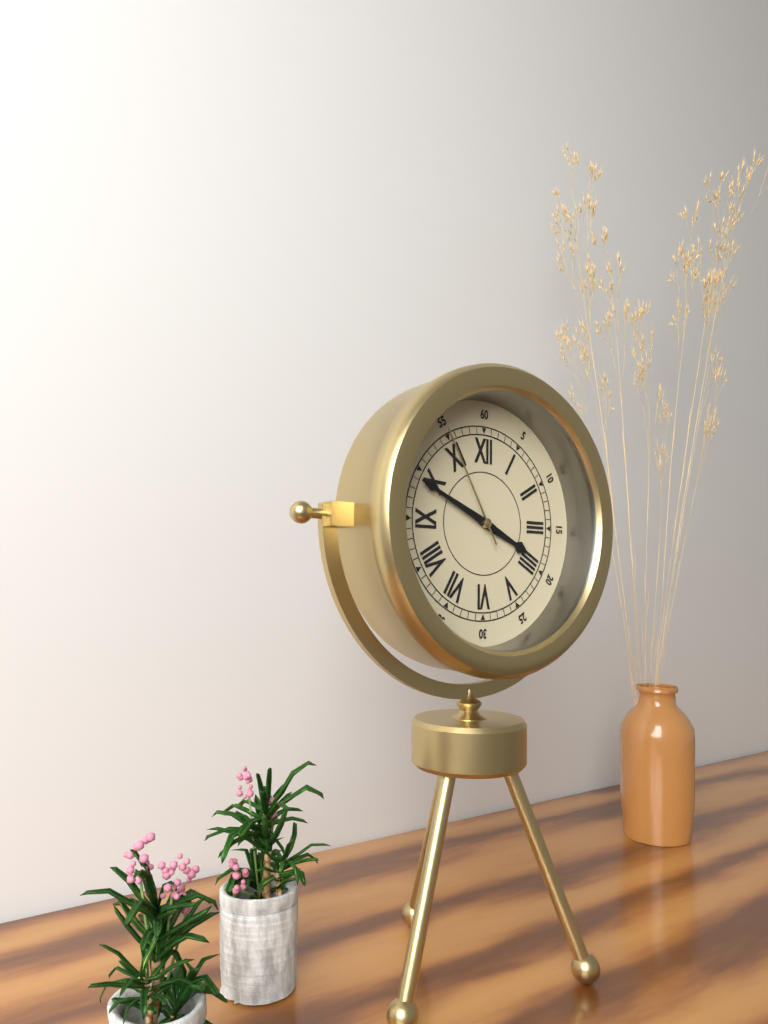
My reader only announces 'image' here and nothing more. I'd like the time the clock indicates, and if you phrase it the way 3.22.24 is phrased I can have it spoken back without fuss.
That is 3.49.55
